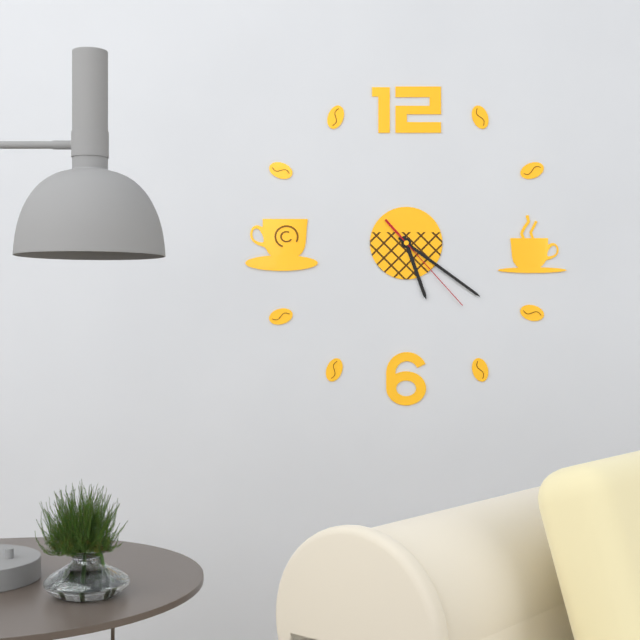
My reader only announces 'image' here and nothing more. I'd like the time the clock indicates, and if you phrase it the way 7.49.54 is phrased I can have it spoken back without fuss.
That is 5.21.23
